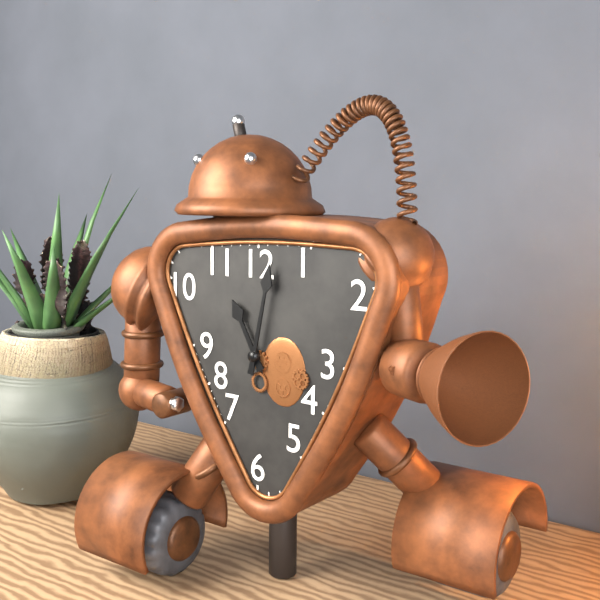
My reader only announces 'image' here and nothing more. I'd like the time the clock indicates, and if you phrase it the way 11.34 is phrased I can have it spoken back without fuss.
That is 11.02
